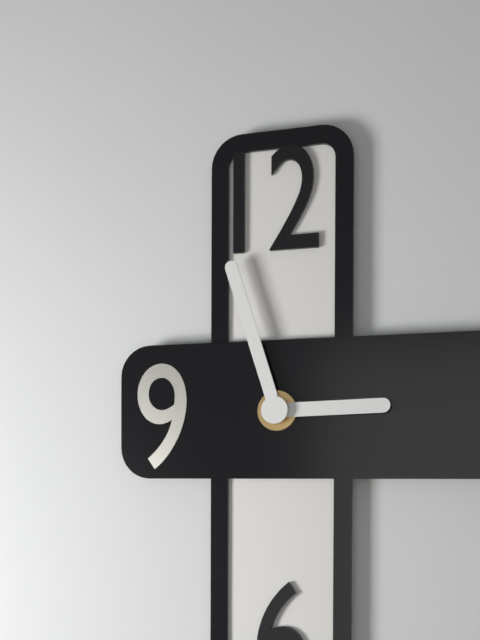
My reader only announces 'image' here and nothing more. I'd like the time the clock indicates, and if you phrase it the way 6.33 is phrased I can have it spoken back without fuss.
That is 2.57
